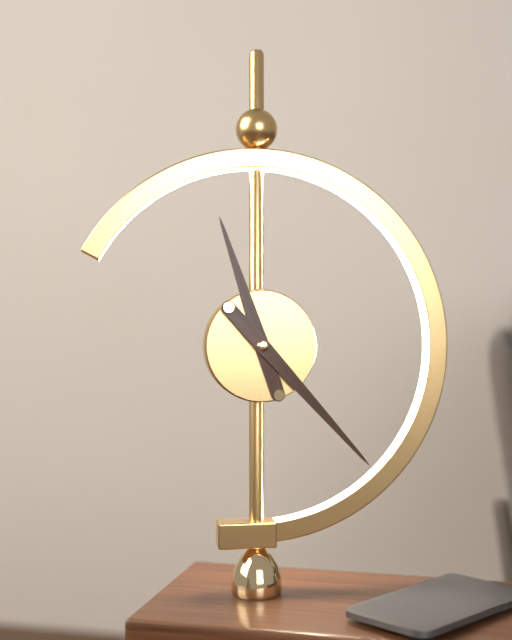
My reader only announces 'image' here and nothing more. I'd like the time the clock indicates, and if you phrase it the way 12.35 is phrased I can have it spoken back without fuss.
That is 11.23
